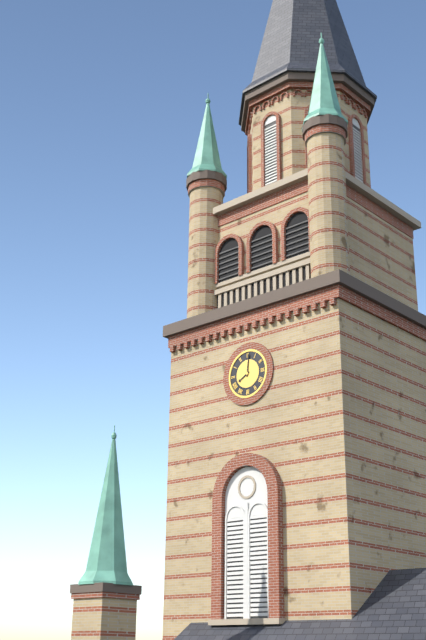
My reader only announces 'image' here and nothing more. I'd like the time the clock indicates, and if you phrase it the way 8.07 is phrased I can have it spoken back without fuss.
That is 8.01
